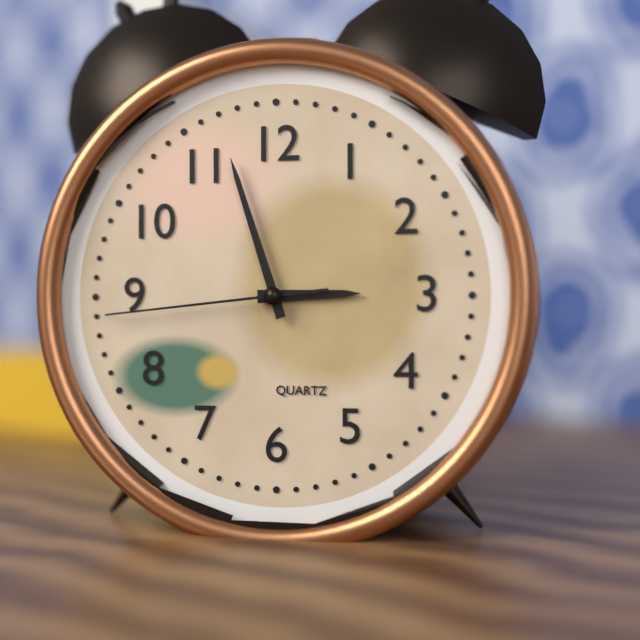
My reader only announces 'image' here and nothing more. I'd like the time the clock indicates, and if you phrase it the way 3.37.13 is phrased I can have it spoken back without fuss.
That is 2.57.44
